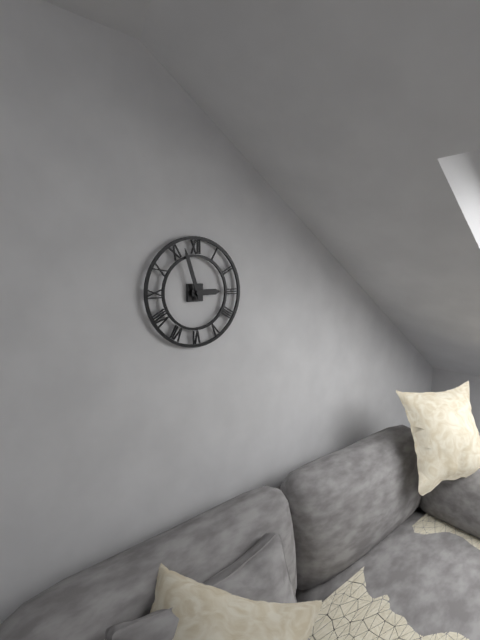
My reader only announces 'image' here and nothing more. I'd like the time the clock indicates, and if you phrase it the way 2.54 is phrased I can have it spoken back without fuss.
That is 2.57
